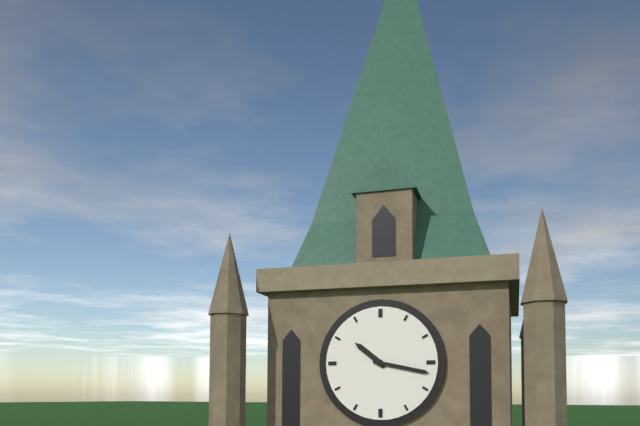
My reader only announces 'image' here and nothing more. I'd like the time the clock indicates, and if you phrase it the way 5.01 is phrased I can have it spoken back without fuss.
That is 10.17
